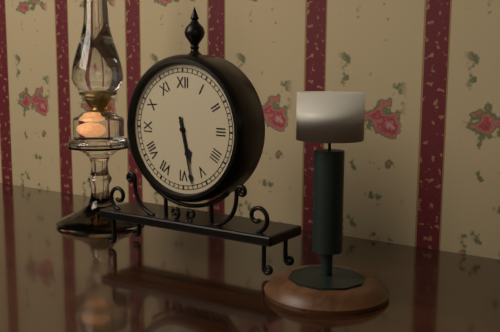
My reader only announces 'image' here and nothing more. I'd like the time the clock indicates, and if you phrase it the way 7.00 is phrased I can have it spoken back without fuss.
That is 5.28
